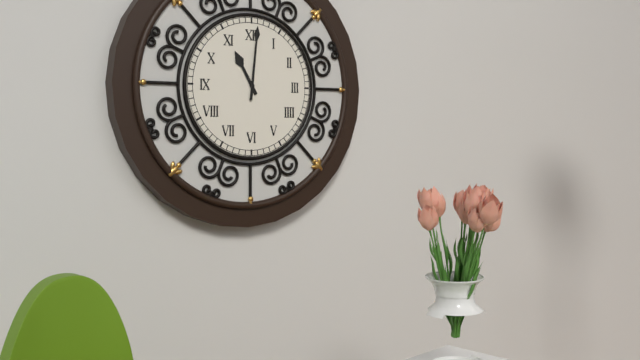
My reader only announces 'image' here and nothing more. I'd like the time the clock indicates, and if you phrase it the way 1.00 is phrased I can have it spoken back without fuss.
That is 11.01
